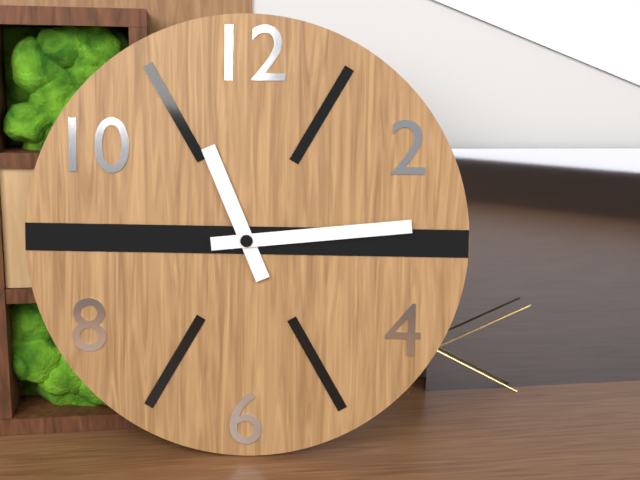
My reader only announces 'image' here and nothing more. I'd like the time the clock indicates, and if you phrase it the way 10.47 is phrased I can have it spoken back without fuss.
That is 11.14
